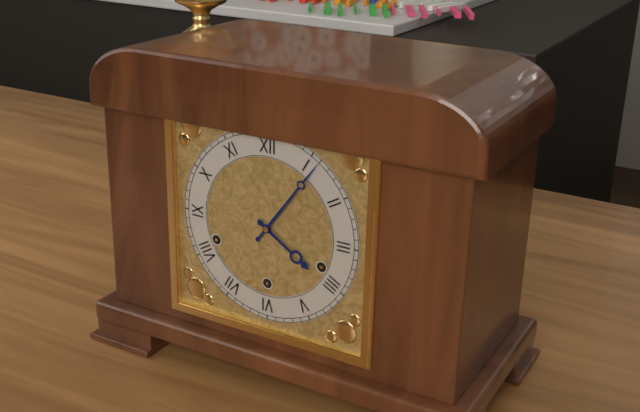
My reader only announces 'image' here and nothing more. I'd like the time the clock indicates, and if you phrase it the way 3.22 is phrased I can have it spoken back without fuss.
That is 4.06
